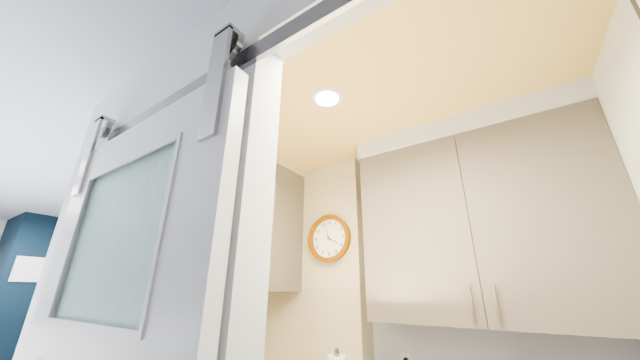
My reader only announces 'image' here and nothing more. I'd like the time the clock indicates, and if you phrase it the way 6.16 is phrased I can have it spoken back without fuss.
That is 3.57
